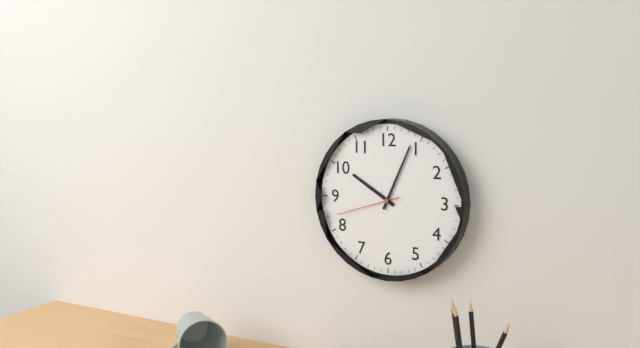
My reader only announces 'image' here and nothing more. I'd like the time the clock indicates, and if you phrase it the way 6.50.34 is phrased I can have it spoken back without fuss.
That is 10.04.42
